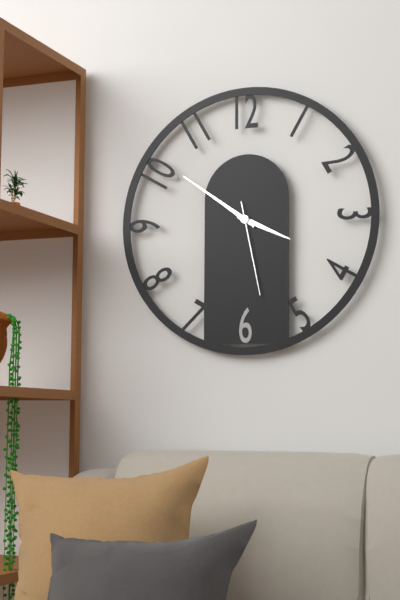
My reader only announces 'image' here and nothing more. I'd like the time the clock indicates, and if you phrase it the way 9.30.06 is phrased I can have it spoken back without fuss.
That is 3.51.28
